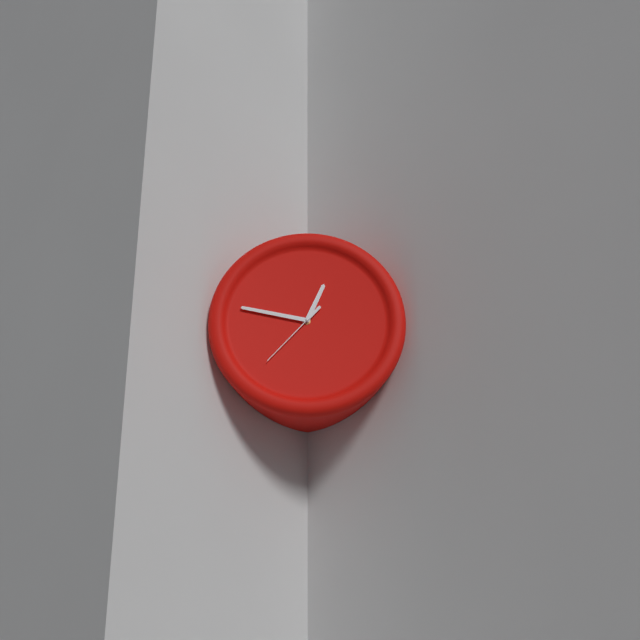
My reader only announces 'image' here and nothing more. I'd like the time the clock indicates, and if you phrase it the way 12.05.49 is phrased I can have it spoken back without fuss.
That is 12.47.37
